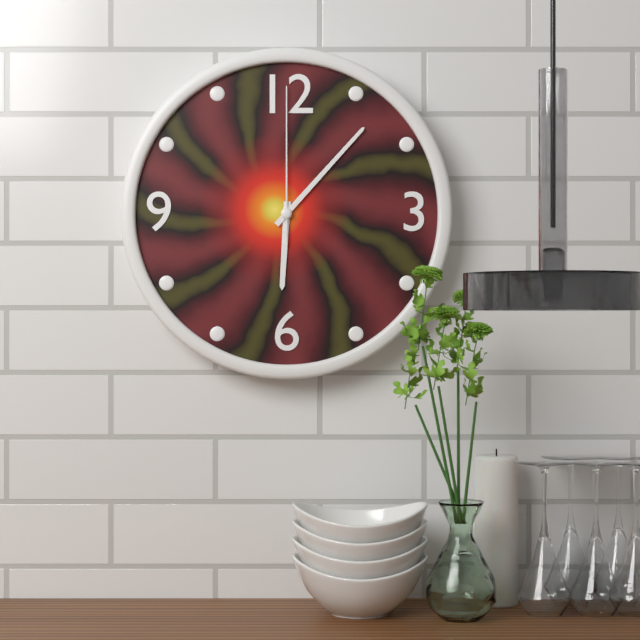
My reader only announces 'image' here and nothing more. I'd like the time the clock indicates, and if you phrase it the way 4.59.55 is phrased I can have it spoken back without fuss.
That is 6.07.00
